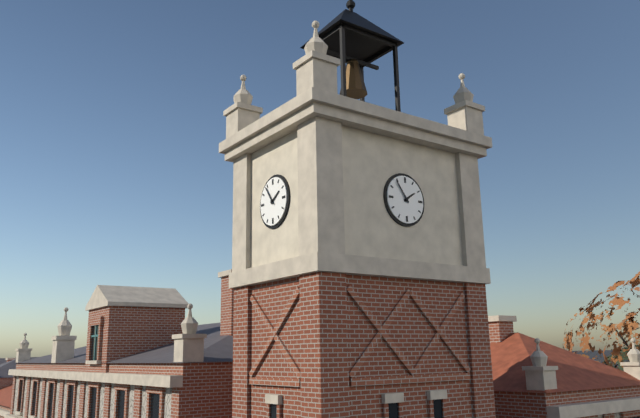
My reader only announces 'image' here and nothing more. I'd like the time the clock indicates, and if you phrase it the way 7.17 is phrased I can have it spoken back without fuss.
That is 1.54
